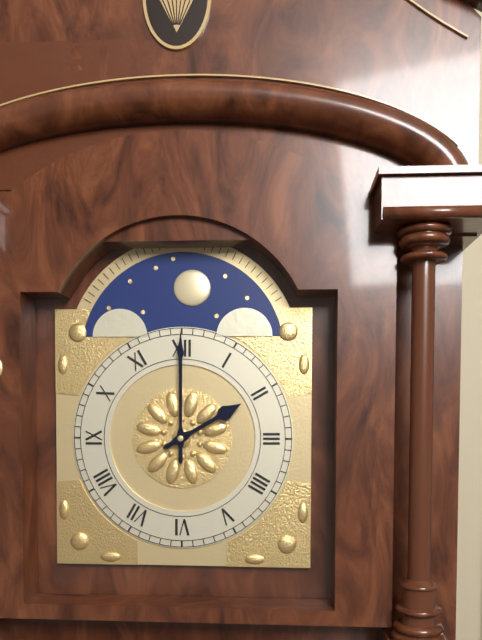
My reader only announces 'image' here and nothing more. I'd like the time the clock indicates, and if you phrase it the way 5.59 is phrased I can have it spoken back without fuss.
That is 2.00
